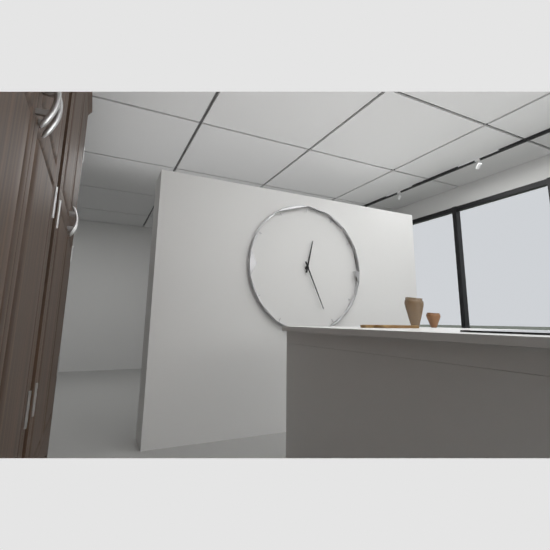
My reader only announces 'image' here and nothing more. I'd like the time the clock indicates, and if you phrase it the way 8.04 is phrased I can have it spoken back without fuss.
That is 12.26
